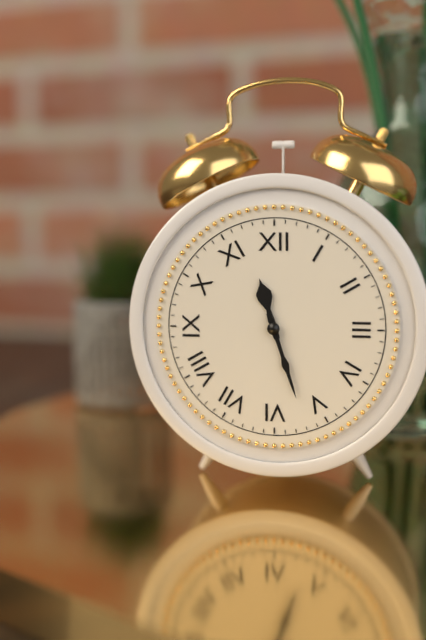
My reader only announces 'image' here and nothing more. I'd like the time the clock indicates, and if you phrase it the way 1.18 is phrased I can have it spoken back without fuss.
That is 11.27
